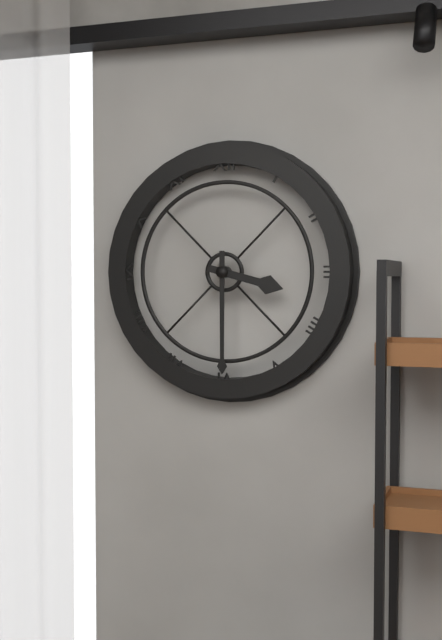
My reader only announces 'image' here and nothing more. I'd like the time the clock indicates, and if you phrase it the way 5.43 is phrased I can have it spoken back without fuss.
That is 3.30
